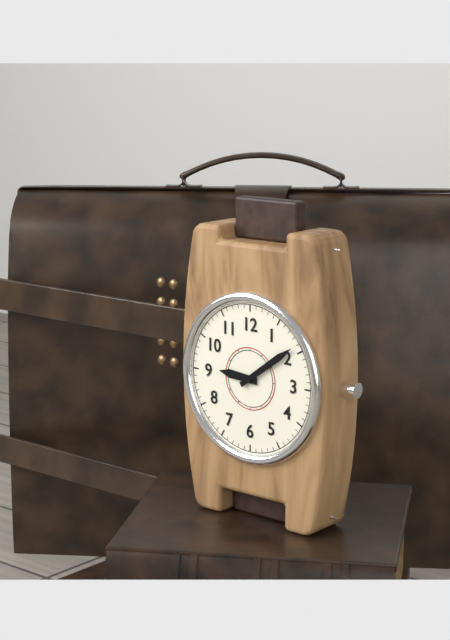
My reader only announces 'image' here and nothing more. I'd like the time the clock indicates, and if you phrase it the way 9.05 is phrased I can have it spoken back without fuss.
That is 9.09
